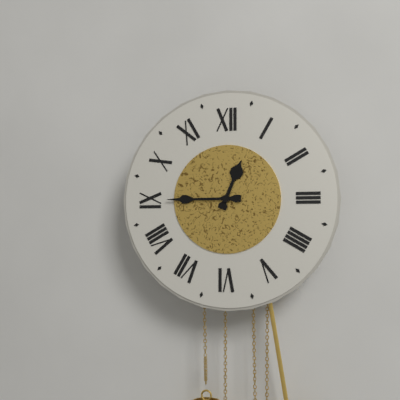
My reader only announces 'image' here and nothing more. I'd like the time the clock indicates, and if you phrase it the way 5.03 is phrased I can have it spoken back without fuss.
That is 12.45
